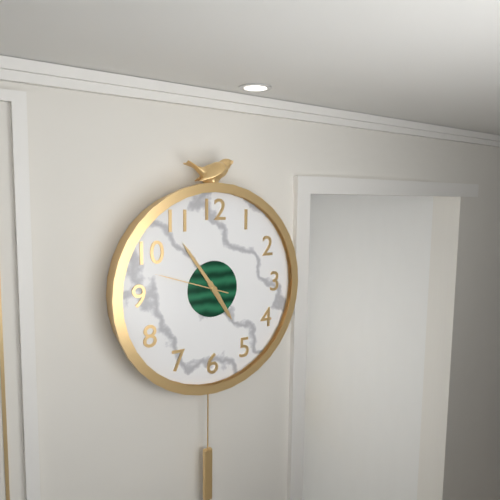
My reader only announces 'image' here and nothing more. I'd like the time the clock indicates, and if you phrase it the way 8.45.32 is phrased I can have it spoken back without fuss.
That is 4.54.48
